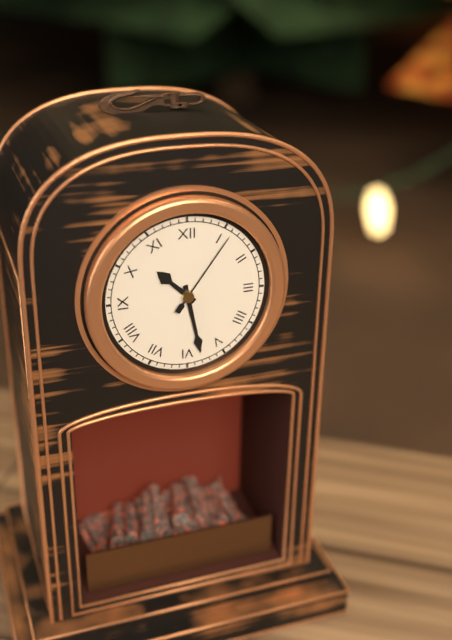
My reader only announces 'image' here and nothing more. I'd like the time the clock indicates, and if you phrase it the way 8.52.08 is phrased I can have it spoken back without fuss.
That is 10.28.06
